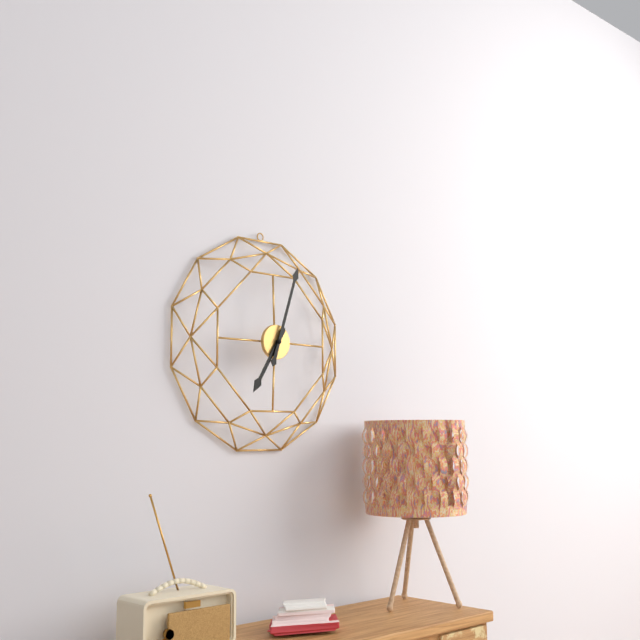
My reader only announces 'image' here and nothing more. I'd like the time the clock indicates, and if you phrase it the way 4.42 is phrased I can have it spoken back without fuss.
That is 7.03
